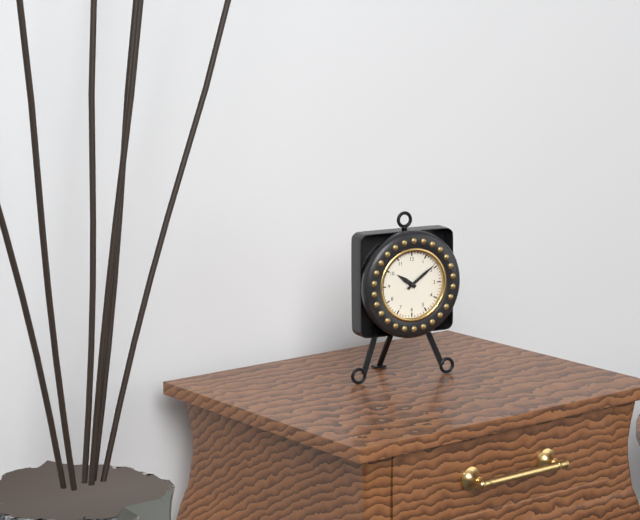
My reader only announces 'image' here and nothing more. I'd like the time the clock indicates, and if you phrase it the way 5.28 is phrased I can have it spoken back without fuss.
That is 10.09
